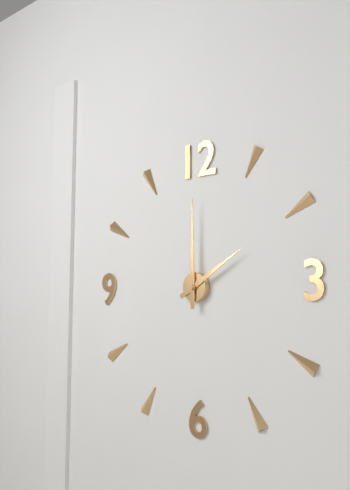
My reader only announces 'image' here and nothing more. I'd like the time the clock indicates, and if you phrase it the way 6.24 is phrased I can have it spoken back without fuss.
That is 2.00
